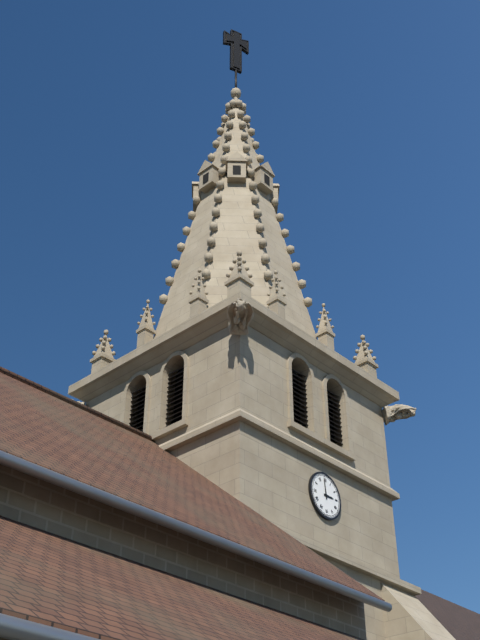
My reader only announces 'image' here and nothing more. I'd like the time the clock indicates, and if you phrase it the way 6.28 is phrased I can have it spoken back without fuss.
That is 2.59
